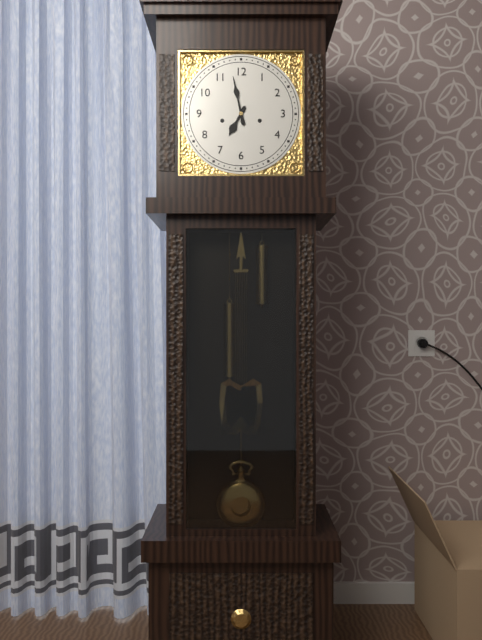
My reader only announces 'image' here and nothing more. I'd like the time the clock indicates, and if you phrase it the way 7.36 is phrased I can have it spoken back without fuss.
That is 6.58
